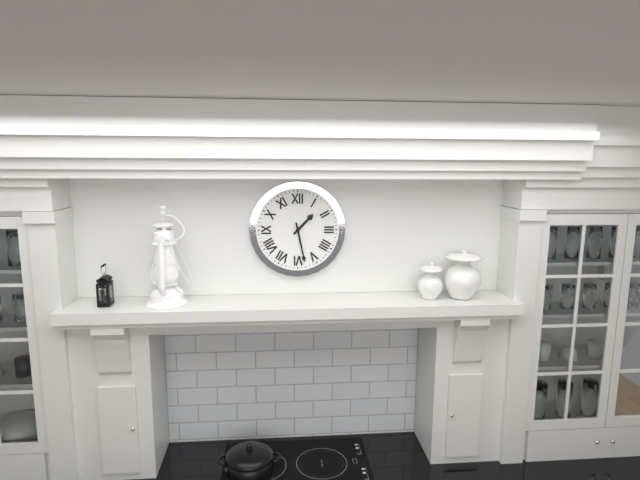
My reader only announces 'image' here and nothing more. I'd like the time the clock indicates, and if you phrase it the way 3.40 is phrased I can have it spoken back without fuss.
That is 1.28
